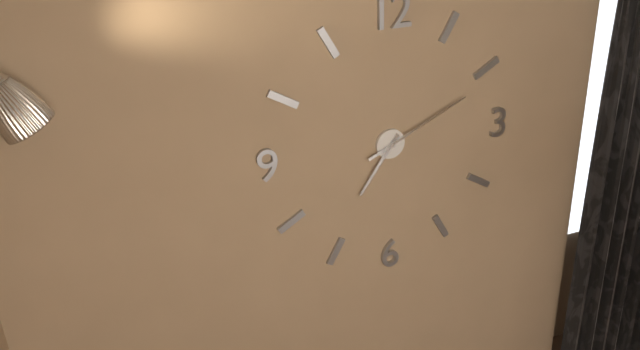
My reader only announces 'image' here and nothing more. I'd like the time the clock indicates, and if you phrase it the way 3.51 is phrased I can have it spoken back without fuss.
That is 7.11
